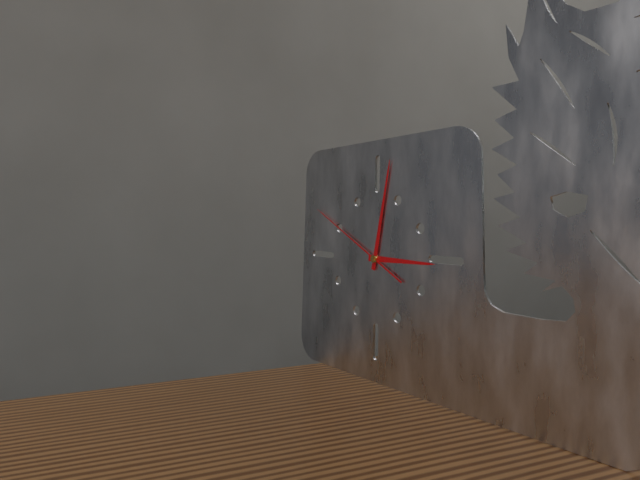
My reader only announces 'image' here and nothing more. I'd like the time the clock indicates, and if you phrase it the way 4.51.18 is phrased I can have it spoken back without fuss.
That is 3.02.50
